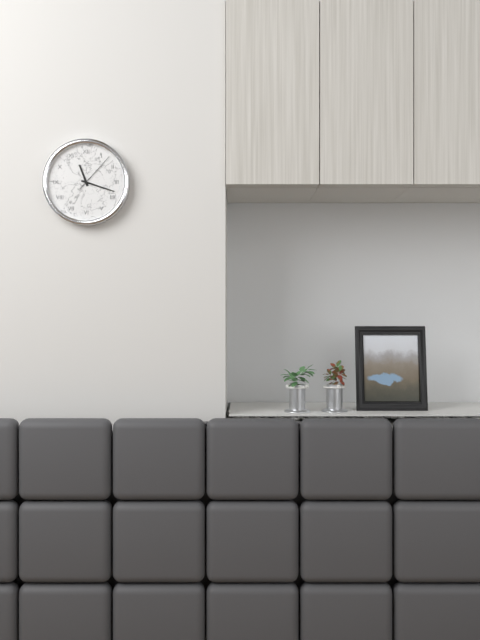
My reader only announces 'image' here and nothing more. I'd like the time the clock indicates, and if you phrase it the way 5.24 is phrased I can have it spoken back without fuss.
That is 11.18
